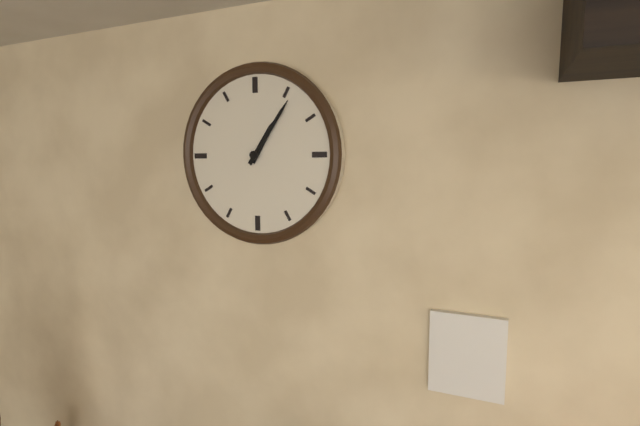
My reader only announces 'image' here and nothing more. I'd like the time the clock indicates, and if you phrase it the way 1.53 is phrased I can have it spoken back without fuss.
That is 1.06
